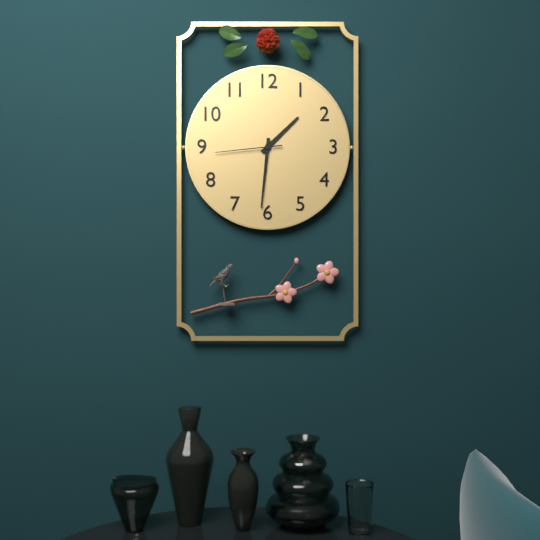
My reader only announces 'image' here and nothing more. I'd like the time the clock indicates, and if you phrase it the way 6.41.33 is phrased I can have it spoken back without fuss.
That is 1.31.44
